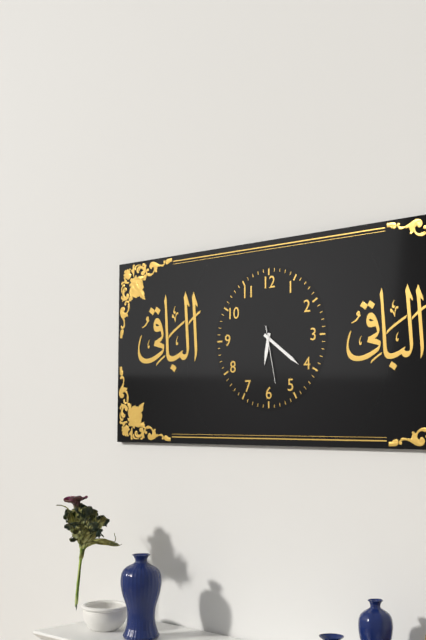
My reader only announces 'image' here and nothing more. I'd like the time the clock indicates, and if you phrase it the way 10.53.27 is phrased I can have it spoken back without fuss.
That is 6.21.28
